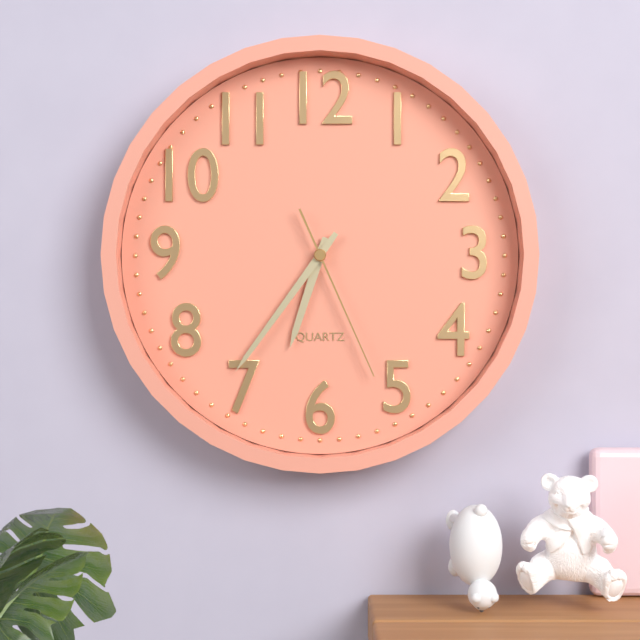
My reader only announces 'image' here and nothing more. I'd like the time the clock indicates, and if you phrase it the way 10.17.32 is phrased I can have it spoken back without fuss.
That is 6.36.26
